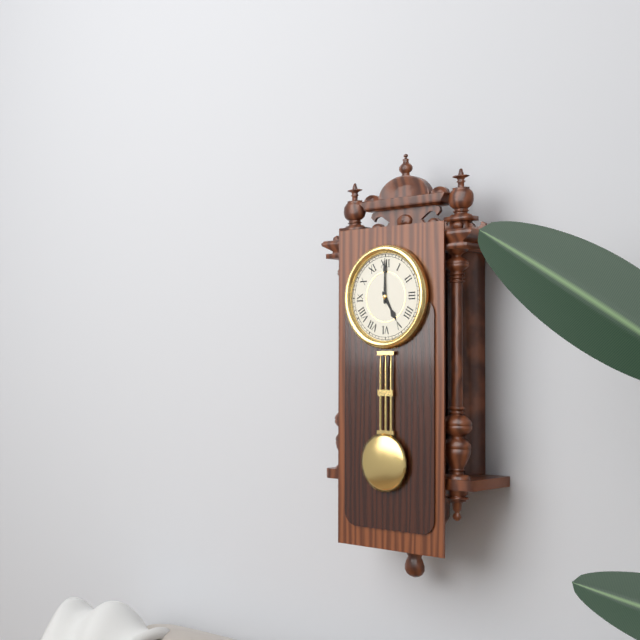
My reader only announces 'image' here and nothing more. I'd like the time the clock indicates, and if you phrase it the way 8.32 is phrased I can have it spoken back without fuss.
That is 5.00
